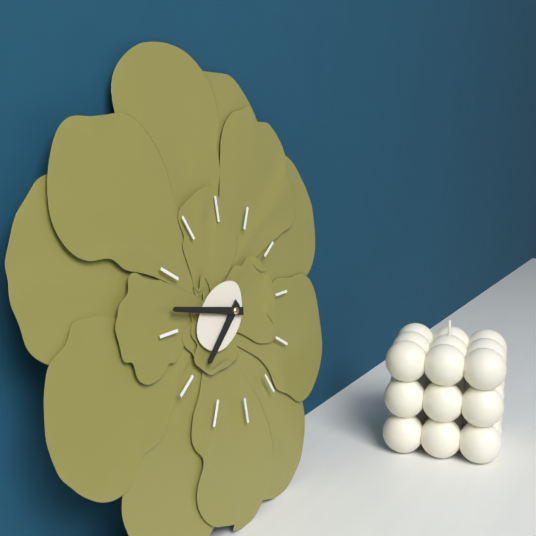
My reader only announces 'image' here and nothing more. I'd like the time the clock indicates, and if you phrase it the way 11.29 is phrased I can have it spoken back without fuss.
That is 7.47
